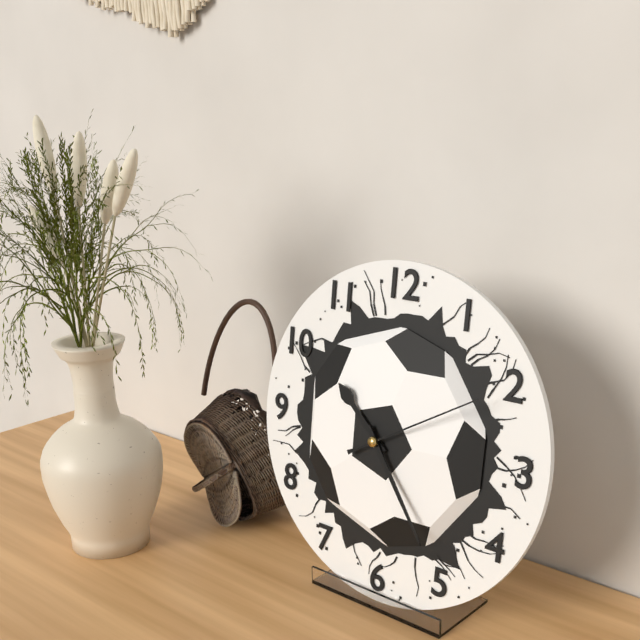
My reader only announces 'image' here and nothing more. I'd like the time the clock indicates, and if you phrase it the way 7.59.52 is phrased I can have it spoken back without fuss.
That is 10.24.10
